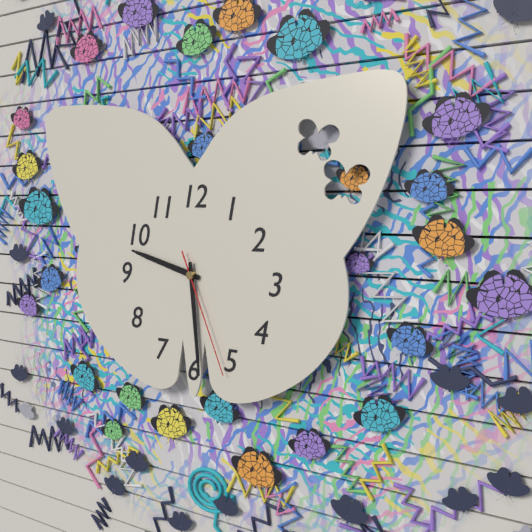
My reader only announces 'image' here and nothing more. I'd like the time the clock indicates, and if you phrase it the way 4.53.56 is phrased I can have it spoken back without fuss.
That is 9.29.26
